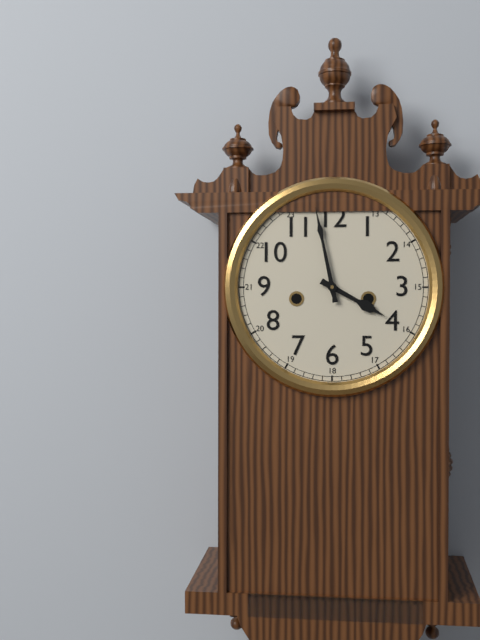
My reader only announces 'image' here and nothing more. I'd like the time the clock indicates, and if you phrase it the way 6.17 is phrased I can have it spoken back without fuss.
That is 3.58
